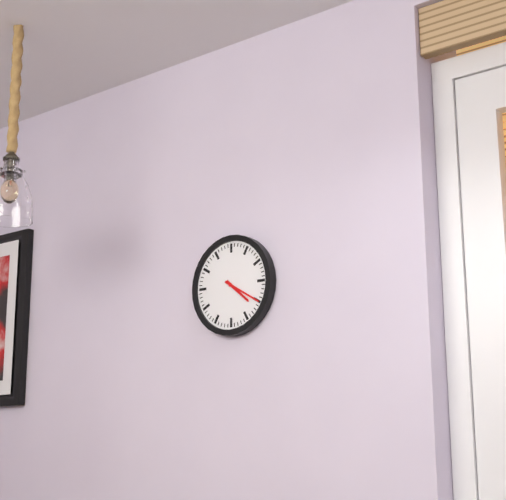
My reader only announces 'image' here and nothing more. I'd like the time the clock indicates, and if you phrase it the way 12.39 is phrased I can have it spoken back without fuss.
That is 4.20
